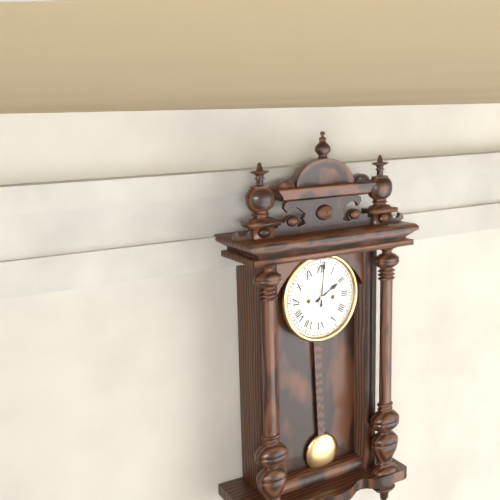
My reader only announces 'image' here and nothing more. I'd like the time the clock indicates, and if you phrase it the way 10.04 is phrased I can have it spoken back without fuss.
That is 2.01
